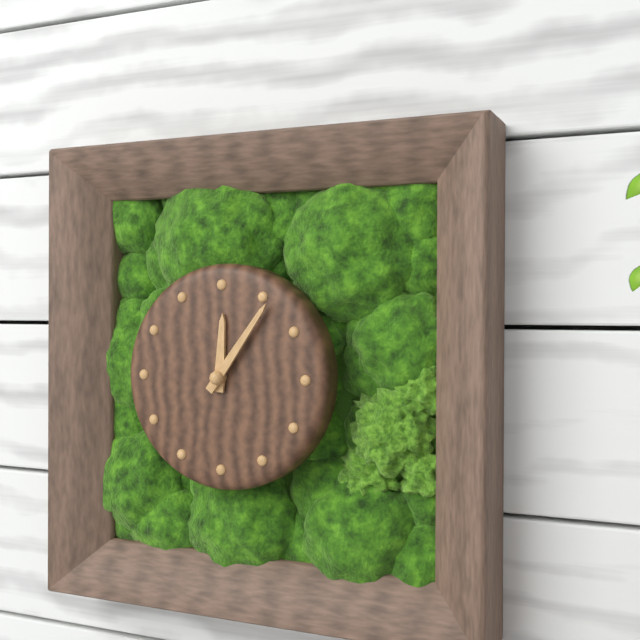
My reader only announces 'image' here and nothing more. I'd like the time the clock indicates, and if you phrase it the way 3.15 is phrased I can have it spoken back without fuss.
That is 12.06
